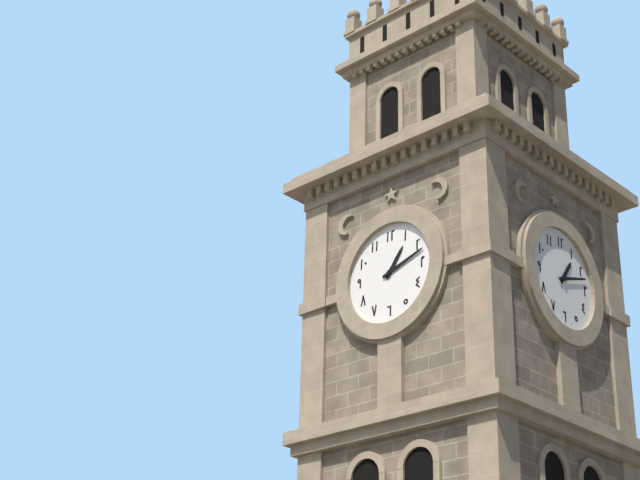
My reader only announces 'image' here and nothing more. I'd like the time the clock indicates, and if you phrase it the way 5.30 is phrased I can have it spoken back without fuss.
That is 1.12
